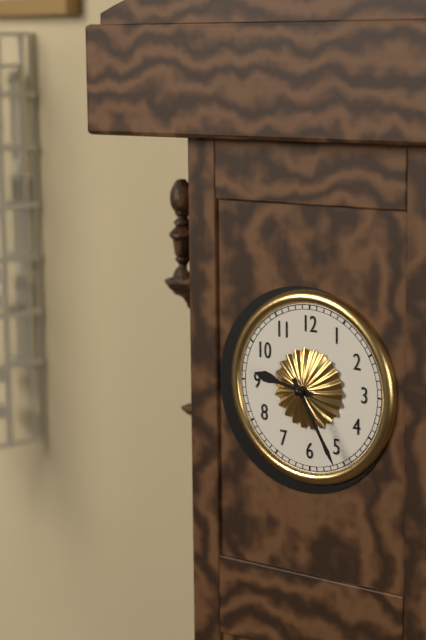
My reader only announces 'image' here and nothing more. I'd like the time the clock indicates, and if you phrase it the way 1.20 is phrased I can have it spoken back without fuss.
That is 9.25
